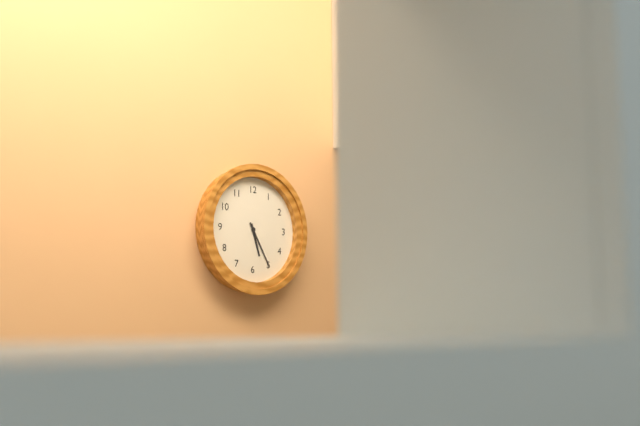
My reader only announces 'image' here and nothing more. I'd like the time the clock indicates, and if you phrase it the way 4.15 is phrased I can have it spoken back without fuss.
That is 5.25
